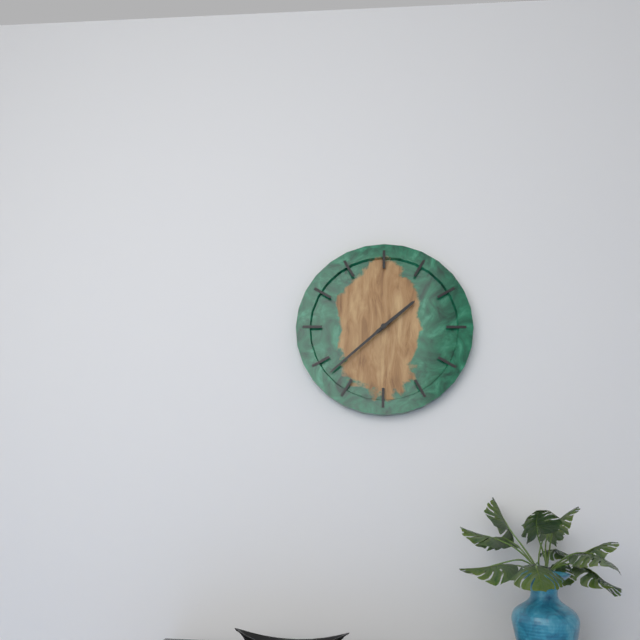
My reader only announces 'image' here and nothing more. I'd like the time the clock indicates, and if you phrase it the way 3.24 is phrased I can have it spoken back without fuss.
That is 1.38
